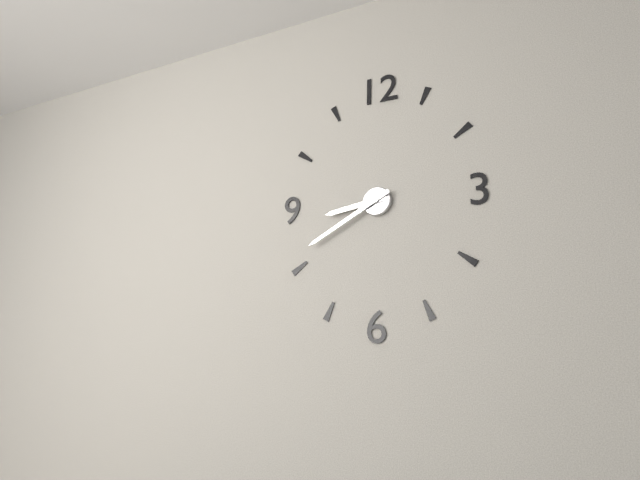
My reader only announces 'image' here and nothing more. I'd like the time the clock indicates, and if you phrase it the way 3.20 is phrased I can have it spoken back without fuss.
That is 8.40
